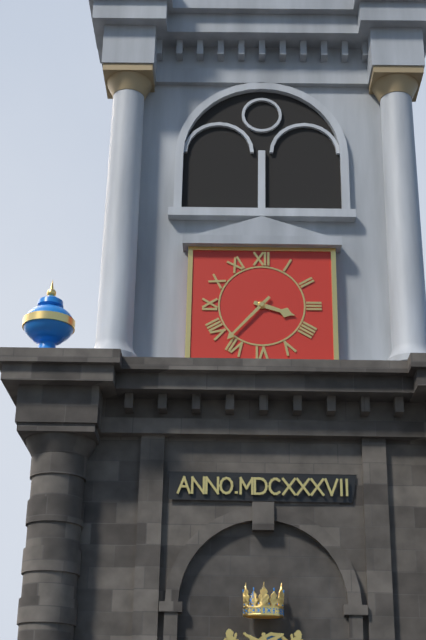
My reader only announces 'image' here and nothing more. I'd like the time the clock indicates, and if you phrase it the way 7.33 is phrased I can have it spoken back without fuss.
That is 3.37
